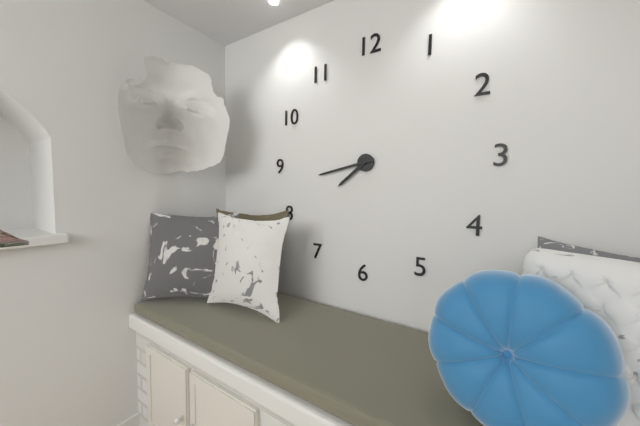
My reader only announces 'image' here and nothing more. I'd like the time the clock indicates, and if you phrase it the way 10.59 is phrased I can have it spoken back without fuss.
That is 7.43
